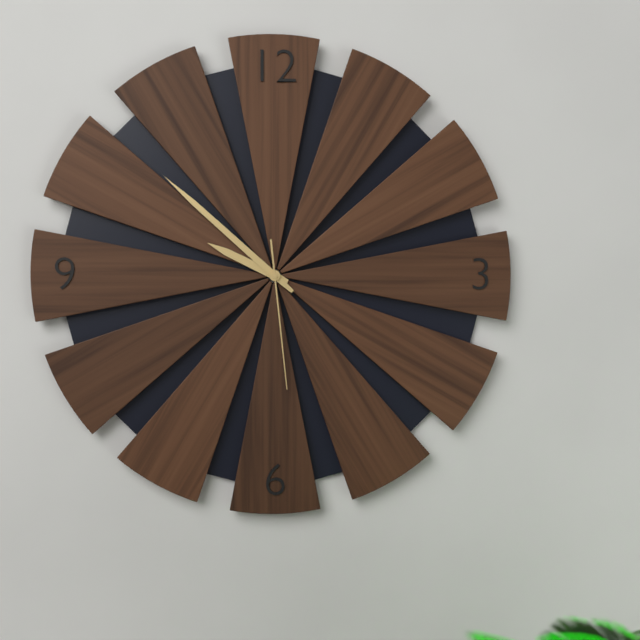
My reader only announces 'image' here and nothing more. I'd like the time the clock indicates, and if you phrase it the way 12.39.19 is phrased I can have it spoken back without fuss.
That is 9.52.29
